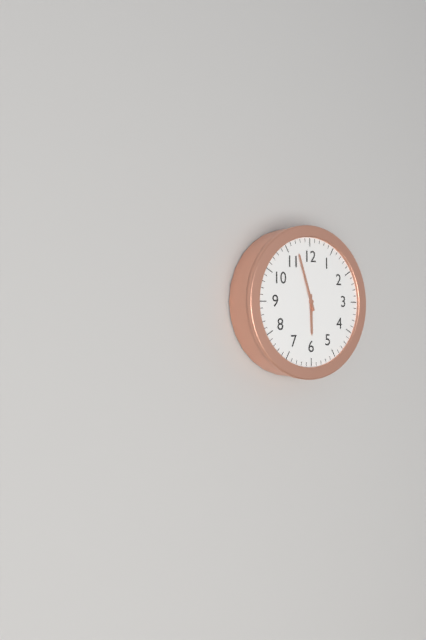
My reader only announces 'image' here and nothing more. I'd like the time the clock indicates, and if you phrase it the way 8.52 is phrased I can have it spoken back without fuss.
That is 5.57
